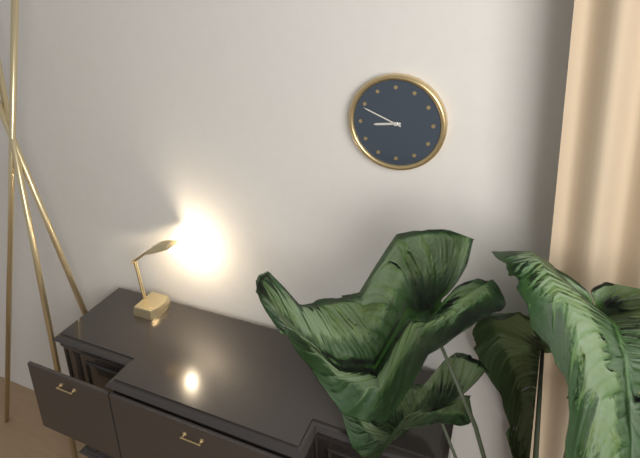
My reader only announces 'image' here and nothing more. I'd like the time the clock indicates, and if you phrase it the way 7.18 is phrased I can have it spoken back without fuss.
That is 8.49
